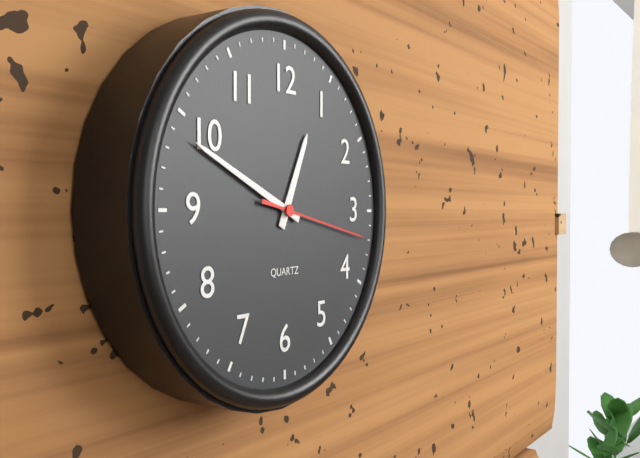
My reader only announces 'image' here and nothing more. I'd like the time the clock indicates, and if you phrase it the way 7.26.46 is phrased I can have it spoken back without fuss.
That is 12.49.17
